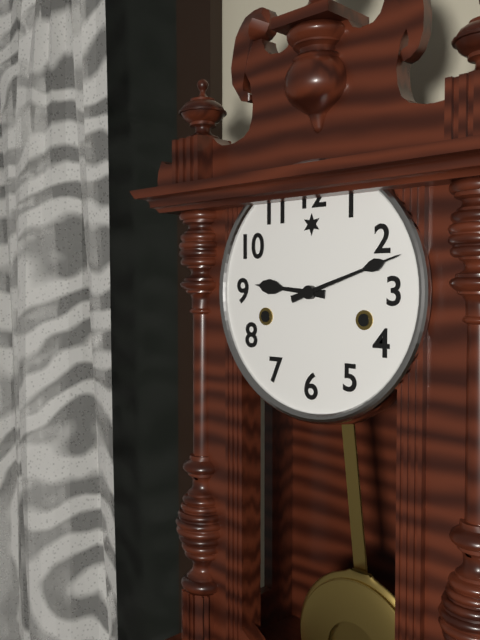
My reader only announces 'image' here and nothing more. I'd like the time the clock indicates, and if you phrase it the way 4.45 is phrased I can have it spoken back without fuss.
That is 9.12
